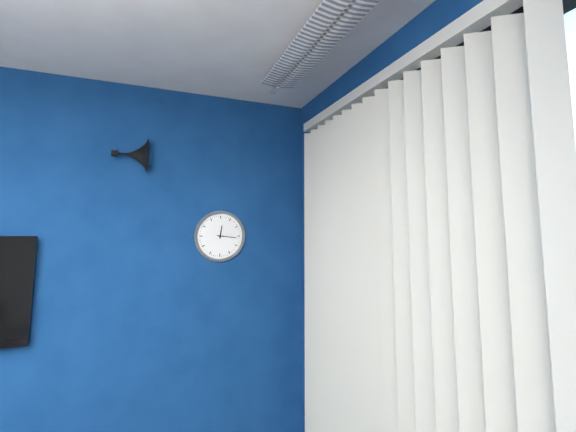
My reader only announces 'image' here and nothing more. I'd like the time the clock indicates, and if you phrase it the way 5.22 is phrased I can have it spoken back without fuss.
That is 12.16
